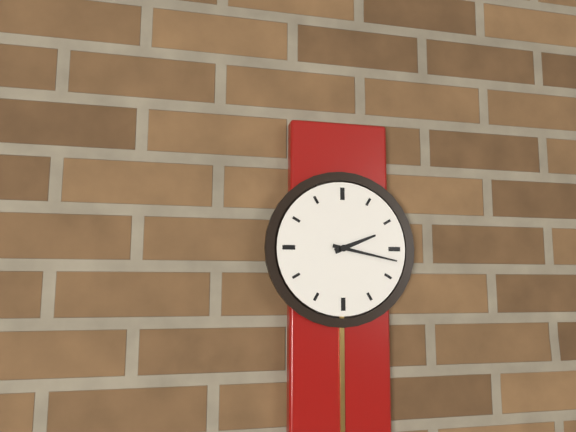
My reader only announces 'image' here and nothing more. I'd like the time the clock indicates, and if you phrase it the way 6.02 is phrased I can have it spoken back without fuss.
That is 2.17
